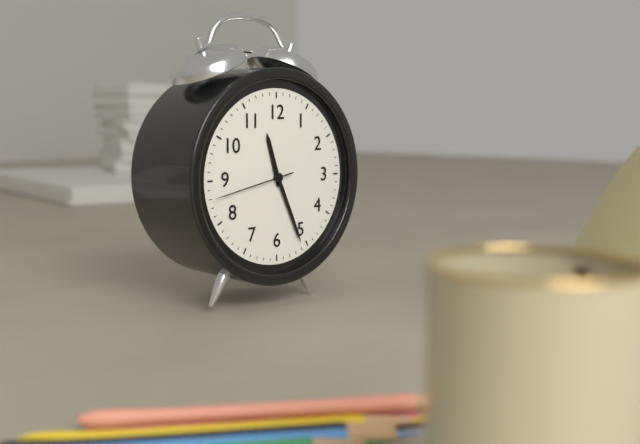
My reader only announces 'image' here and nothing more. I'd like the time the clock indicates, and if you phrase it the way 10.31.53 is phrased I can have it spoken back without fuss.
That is 11.26.43
